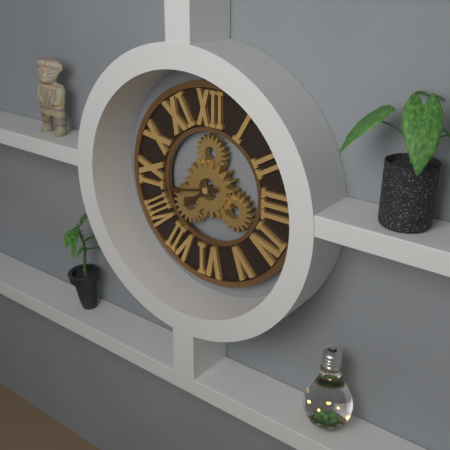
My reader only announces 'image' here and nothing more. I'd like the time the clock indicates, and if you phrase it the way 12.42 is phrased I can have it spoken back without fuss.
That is 7.43
